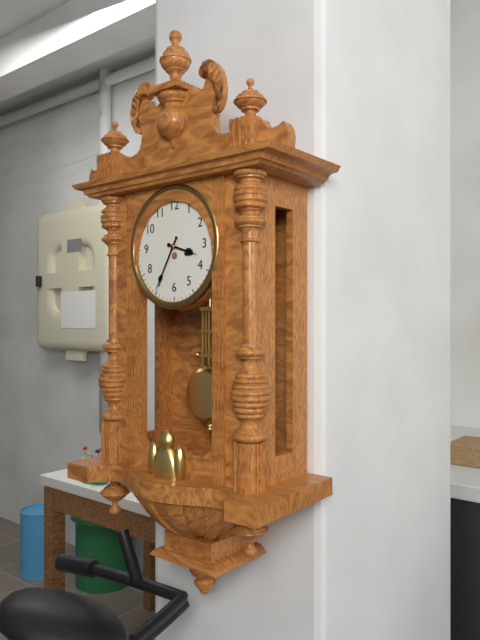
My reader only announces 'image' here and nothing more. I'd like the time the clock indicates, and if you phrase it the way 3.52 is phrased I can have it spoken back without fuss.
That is 3.35
